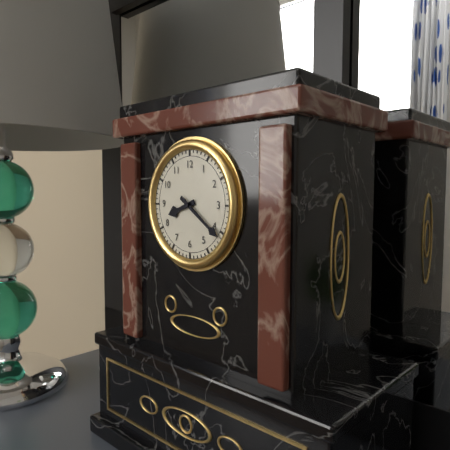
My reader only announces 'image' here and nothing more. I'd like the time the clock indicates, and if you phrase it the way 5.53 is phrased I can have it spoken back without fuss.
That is 8.21
